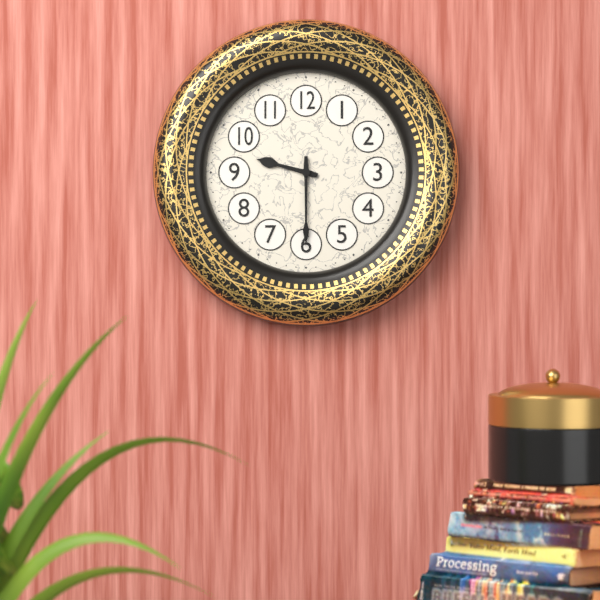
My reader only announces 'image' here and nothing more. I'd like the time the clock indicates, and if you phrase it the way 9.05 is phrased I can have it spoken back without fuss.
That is 9.30
